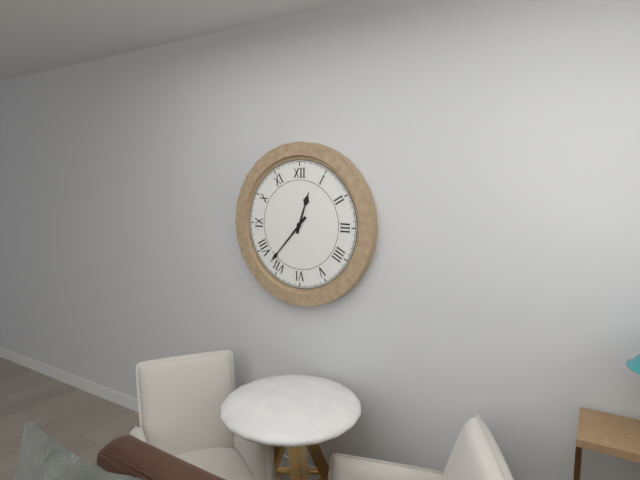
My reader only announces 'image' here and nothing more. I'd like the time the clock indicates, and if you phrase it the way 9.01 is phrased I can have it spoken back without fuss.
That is 12.37
